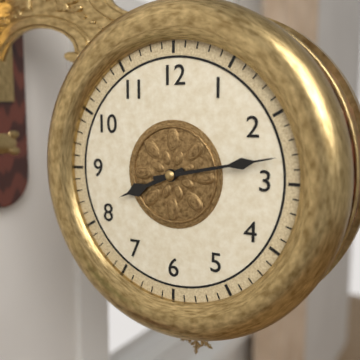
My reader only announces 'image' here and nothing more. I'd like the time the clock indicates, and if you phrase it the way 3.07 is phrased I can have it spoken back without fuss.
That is 8.13
